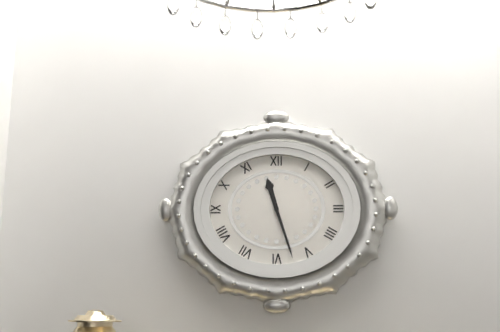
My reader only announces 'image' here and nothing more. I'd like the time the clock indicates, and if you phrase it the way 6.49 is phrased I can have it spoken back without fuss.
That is 11.27
